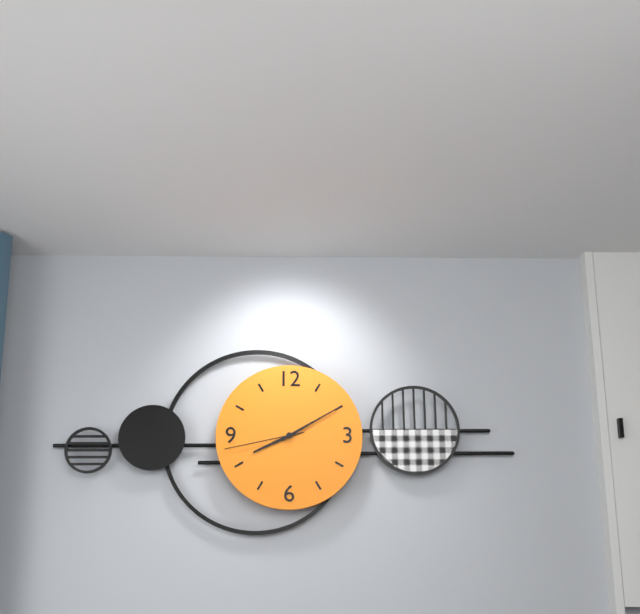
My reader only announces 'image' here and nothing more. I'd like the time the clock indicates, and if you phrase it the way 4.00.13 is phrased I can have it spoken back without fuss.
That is 8.10.43
